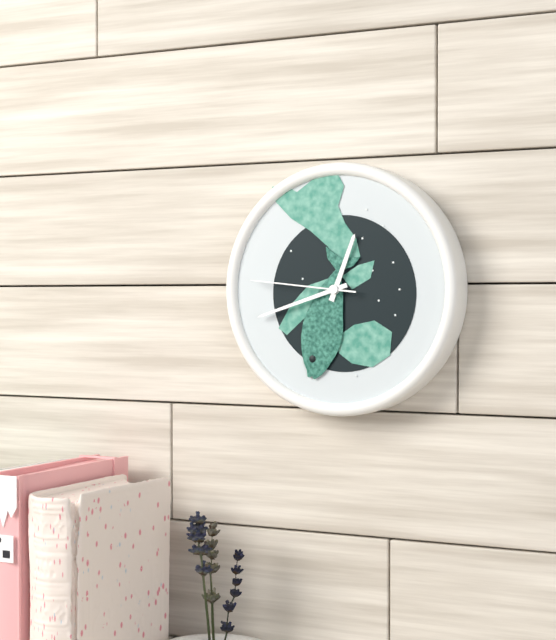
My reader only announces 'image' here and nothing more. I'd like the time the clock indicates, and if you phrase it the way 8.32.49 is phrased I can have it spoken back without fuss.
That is 12.42.46
